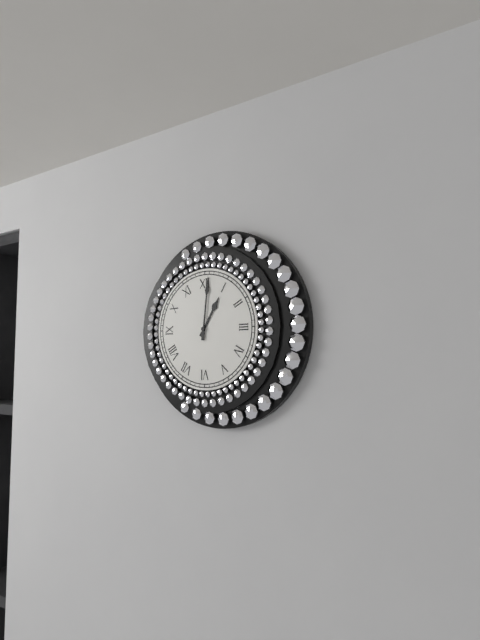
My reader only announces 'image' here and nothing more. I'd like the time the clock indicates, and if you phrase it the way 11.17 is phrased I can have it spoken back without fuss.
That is 1.01
